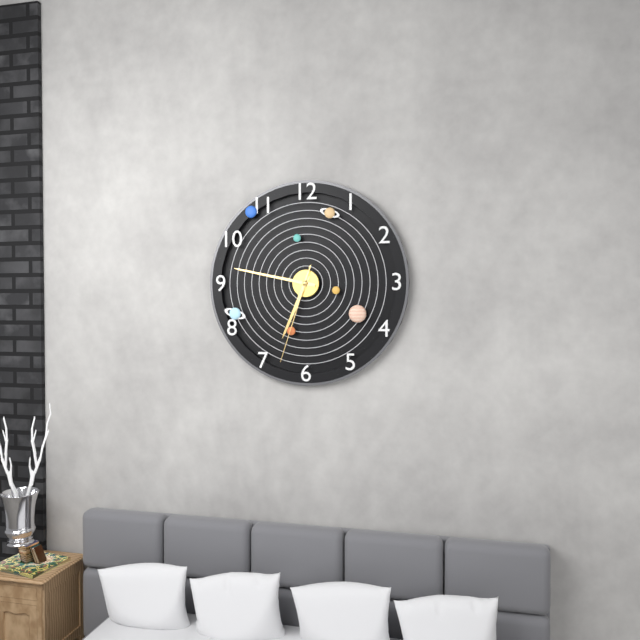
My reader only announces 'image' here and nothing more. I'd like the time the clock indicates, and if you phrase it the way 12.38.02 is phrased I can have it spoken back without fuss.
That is 6.47.33
